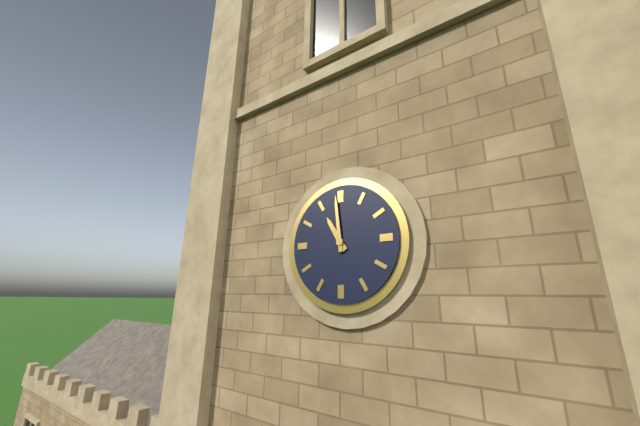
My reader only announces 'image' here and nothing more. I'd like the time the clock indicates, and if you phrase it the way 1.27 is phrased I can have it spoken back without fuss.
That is 10.59
